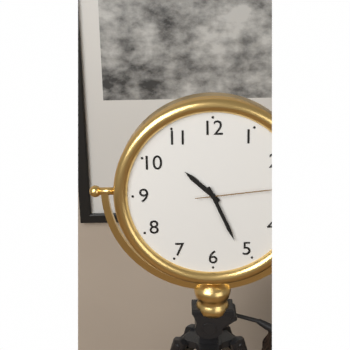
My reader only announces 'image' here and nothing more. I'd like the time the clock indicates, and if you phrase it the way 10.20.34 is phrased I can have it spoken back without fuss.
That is 10.26.14
